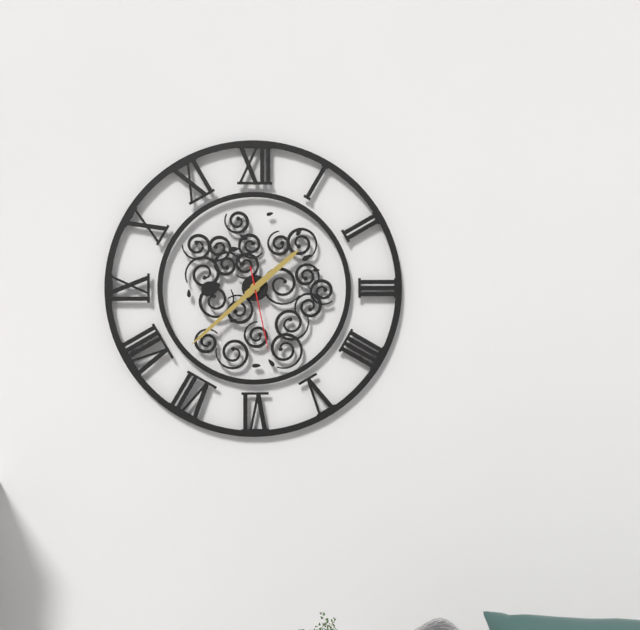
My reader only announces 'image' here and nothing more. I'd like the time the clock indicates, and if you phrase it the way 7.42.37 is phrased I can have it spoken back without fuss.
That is 1.38.28
